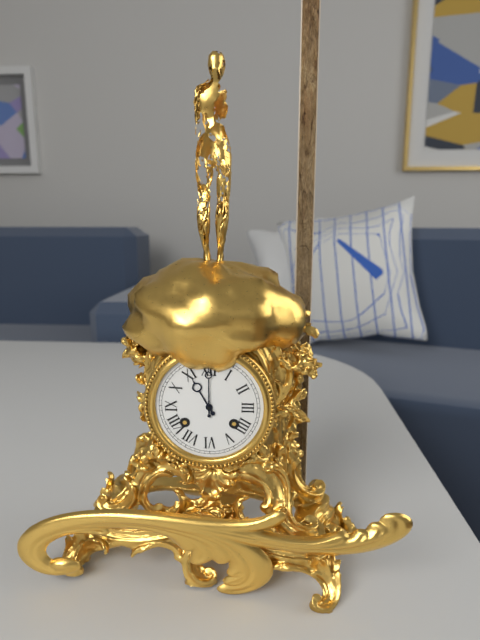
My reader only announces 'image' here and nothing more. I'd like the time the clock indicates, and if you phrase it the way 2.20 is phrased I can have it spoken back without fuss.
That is 11.00
